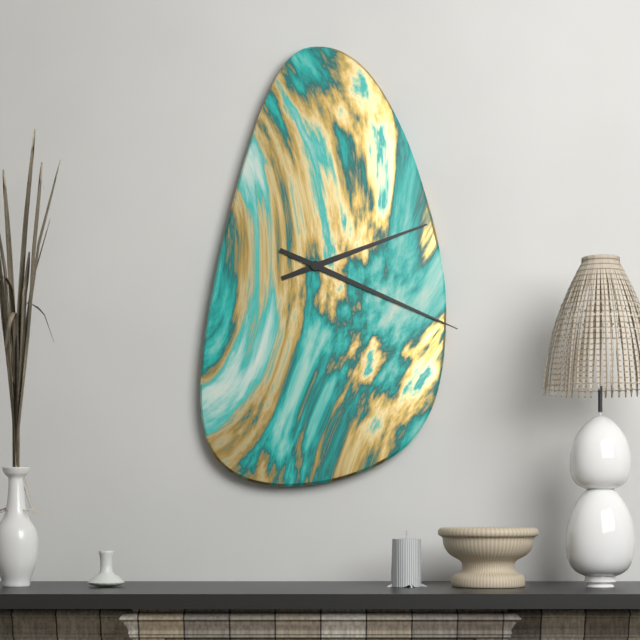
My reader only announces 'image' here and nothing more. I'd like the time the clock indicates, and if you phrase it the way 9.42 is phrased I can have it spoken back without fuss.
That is 2.19
